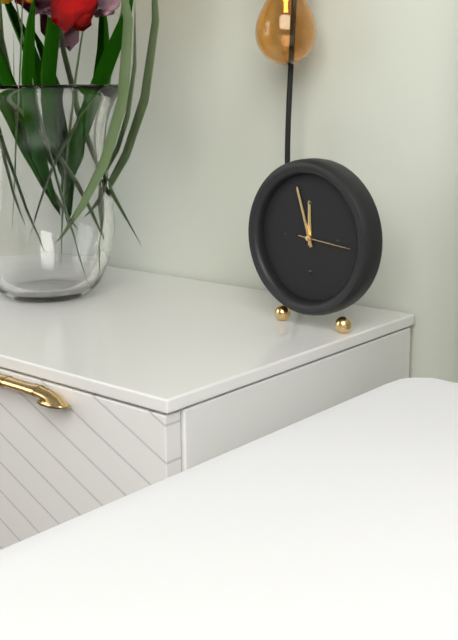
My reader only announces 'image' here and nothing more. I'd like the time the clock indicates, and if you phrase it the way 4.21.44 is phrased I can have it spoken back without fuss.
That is 11.57.16
